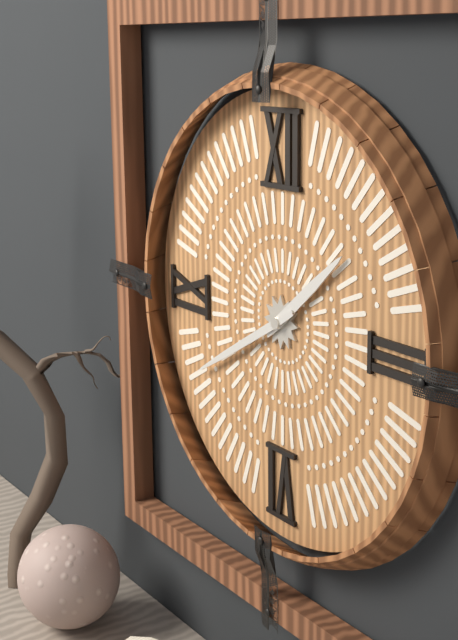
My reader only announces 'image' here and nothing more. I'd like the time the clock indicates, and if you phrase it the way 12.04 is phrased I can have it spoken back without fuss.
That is 1.40
